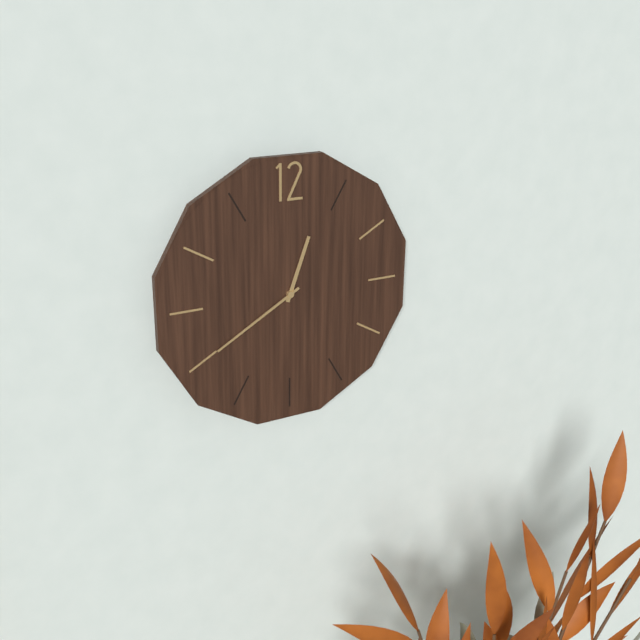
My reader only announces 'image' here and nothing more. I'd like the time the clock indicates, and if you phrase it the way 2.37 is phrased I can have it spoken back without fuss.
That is 12.40
